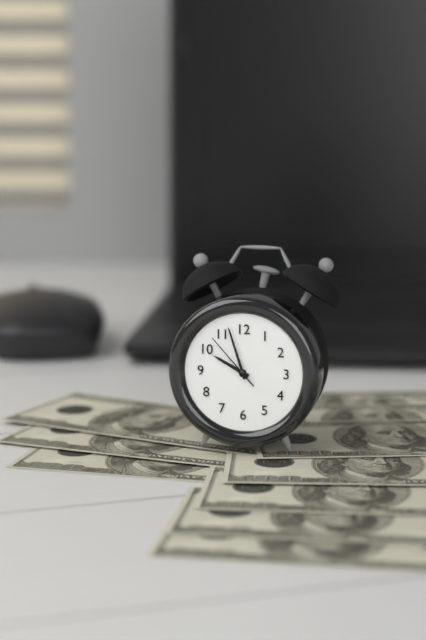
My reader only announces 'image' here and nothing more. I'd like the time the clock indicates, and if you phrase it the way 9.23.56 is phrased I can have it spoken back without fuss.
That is 9.57.53
